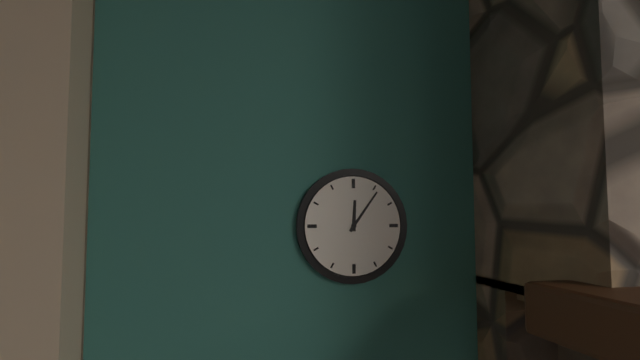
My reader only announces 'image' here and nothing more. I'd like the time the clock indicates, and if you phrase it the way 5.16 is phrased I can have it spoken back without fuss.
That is 12.06
